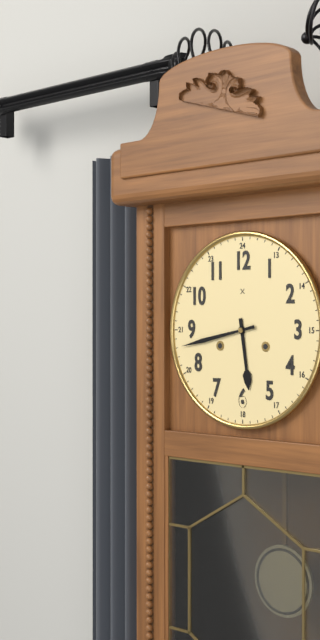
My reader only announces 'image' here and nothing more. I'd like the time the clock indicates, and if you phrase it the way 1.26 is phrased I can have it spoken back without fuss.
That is 5.43
